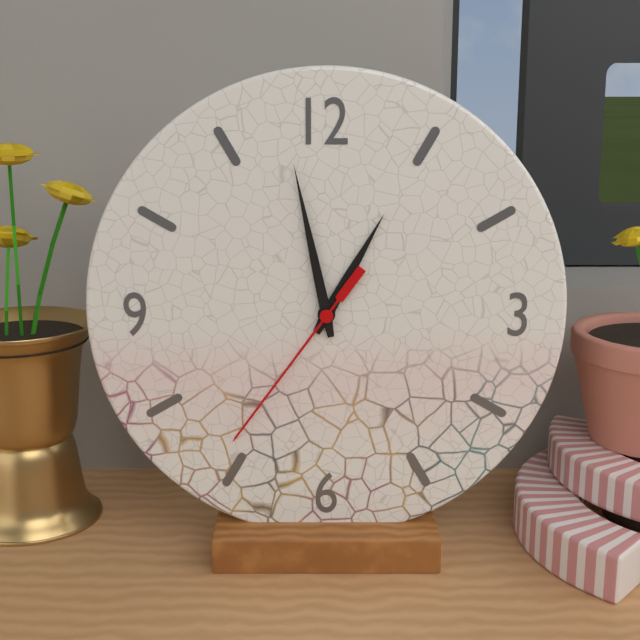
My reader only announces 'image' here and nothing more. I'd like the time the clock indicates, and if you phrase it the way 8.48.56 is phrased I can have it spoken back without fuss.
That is 12.58.36
